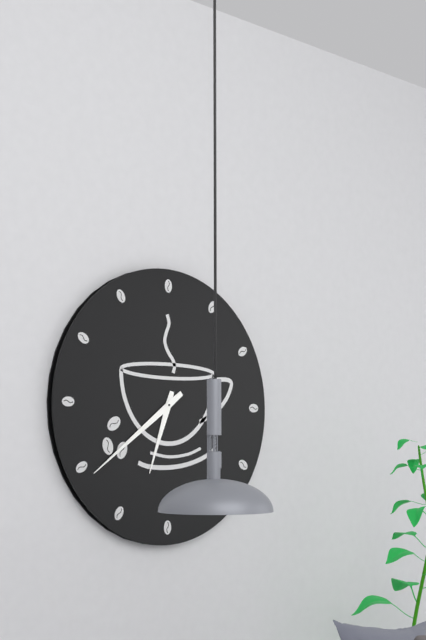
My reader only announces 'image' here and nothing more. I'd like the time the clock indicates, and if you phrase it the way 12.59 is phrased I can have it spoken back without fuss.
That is 6.39
